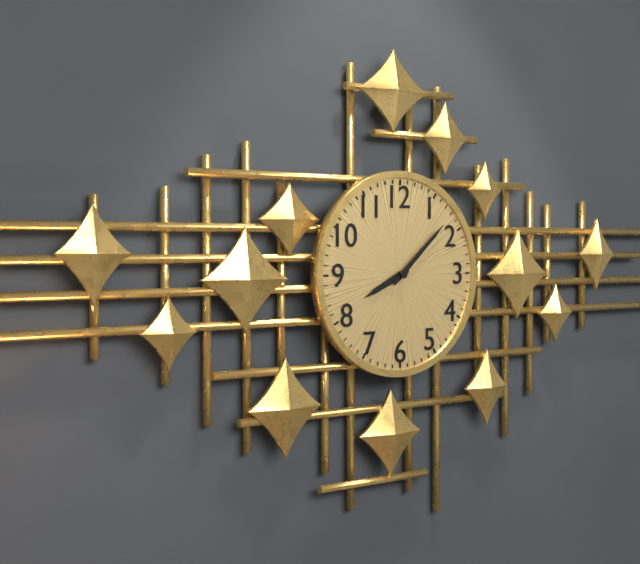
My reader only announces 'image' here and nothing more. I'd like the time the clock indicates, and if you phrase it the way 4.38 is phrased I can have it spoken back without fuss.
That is 8.08
